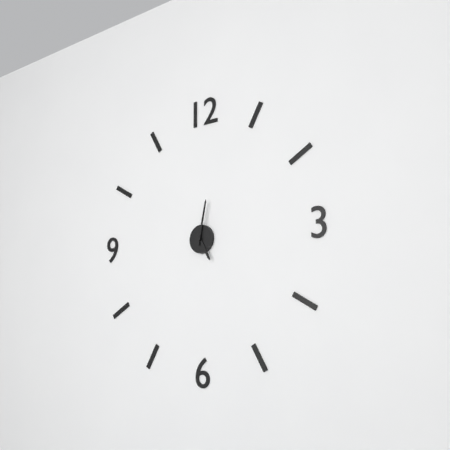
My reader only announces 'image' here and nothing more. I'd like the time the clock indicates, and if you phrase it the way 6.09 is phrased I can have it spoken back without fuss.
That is 5.02
